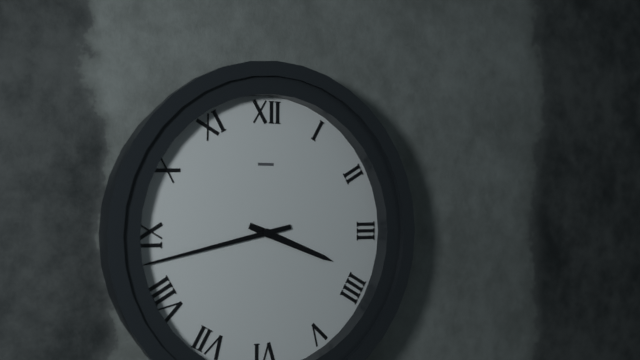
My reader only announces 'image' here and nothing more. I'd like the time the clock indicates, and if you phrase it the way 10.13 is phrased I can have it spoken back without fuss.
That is 3.43
